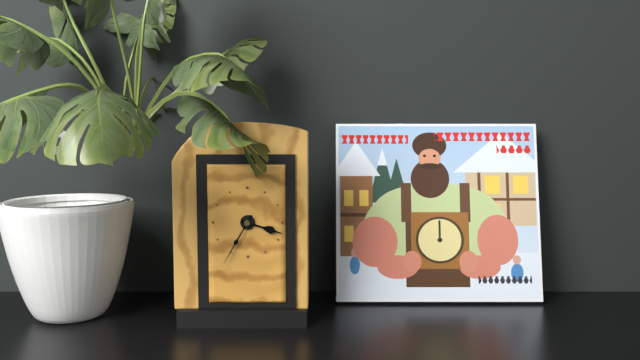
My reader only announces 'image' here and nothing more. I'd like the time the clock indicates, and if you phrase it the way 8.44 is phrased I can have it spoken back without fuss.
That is 3.35
